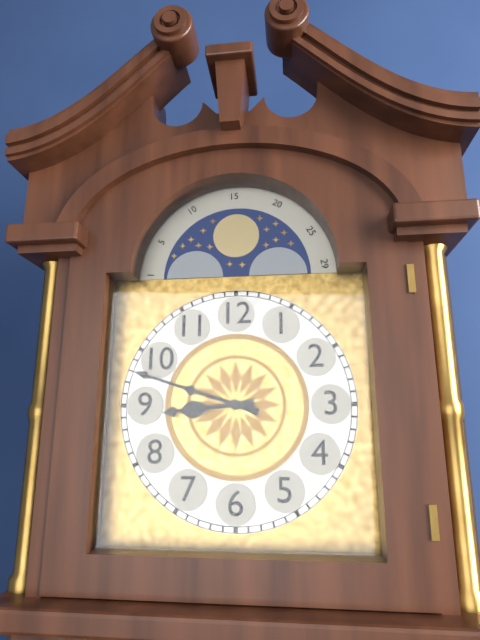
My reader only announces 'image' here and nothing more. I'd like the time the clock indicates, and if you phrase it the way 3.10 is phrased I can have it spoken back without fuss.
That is 8.48
